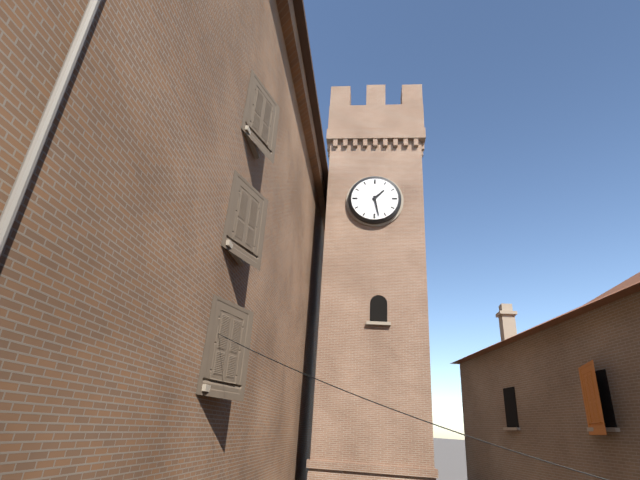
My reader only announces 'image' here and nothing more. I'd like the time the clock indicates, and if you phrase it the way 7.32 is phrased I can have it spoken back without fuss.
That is 1.28
